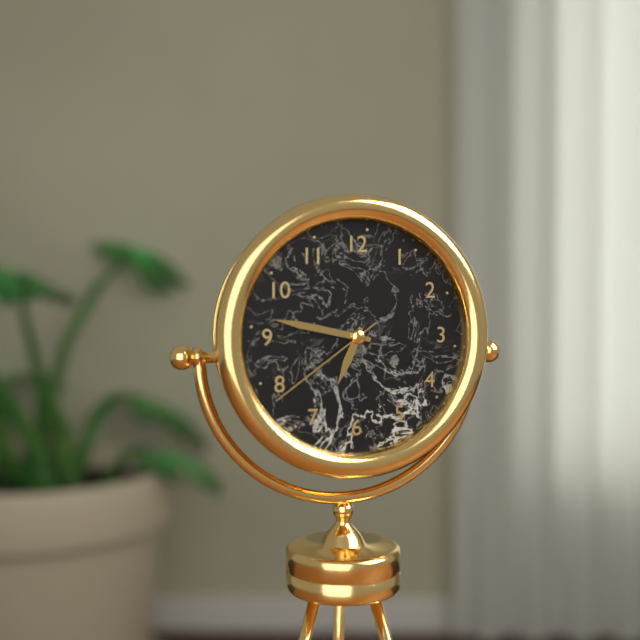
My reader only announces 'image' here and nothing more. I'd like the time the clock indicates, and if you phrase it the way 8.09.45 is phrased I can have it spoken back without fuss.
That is 6.47.39
